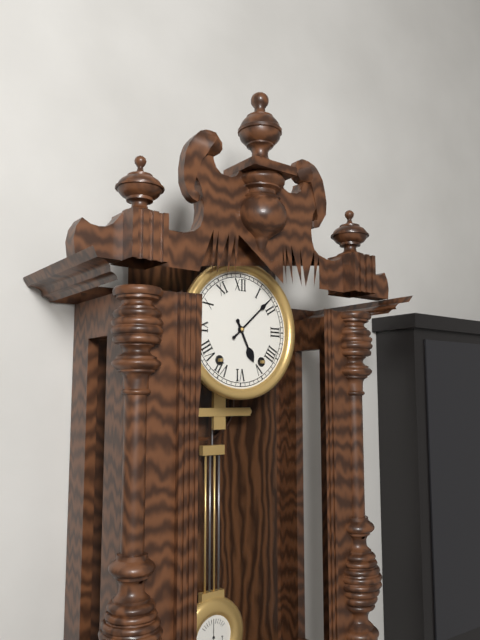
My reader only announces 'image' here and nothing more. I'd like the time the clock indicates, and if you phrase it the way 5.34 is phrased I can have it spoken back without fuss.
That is 5.08
